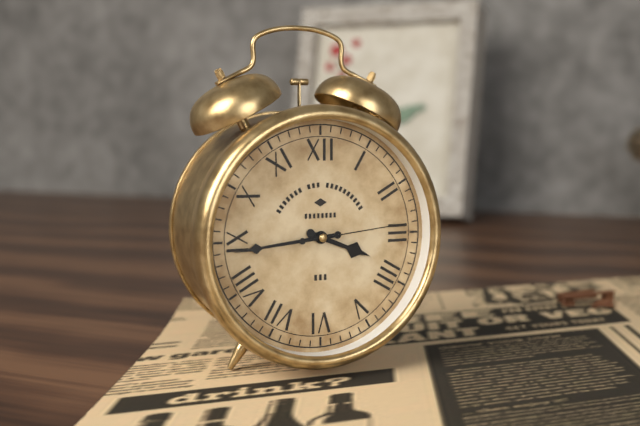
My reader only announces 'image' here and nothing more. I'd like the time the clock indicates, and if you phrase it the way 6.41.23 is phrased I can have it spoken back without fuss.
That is 3.44.14
